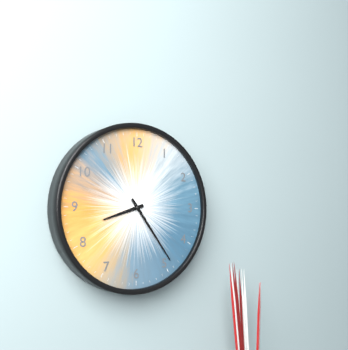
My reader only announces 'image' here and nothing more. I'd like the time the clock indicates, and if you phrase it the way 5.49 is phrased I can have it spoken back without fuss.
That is 8.24
